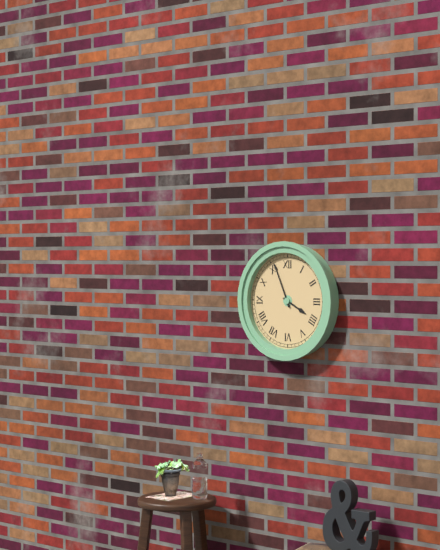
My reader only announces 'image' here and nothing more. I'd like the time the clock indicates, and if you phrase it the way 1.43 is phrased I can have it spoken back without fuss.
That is 3.56
